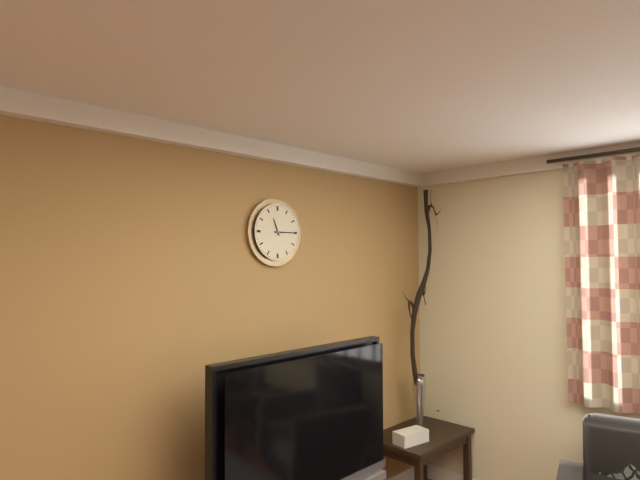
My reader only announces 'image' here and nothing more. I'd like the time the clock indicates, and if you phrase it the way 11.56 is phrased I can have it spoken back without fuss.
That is 11.15
